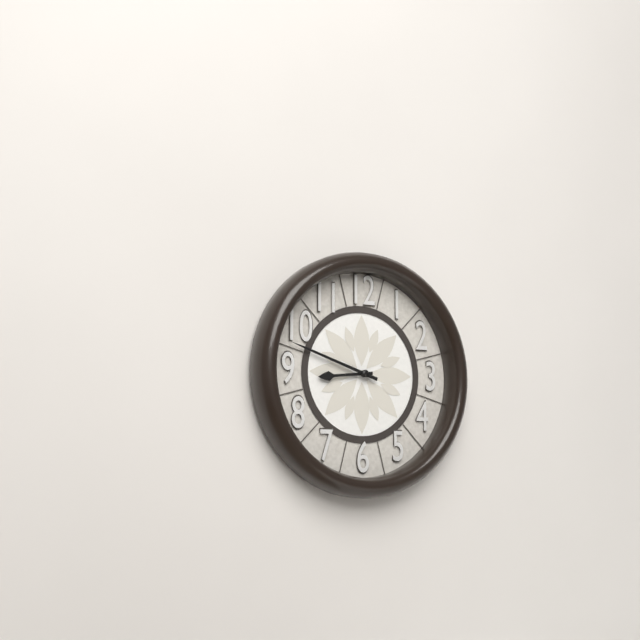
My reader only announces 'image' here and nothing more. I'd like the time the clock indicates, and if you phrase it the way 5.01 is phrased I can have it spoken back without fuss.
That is 8.48
